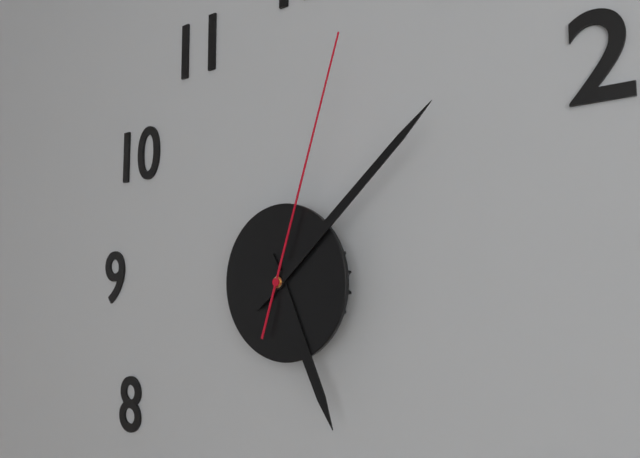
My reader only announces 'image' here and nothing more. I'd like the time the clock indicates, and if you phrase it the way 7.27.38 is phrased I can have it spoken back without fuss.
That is 5.08.03
